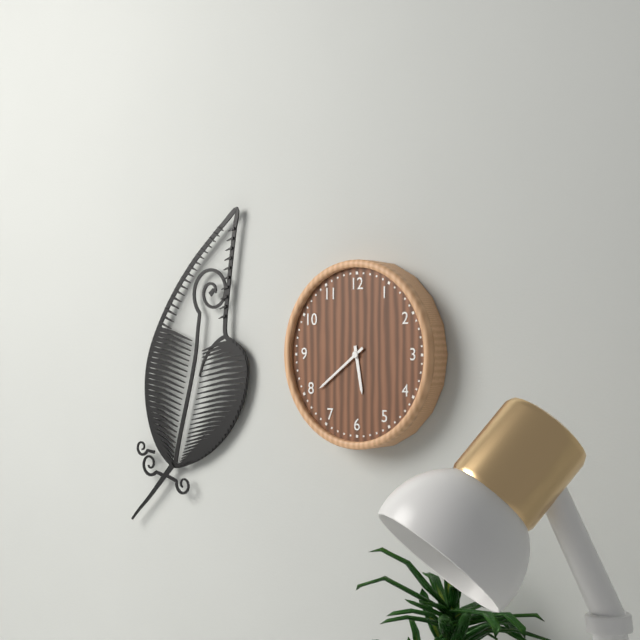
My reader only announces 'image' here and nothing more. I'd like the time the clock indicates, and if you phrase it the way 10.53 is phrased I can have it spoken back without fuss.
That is 5.39
